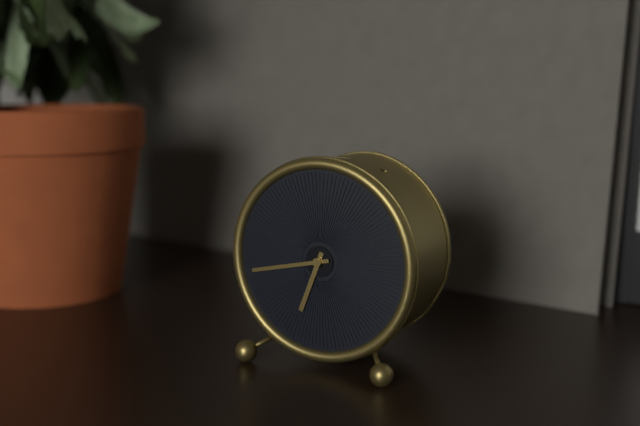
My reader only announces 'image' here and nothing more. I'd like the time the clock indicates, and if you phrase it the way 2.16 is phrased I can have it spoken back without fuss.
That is 6.43
